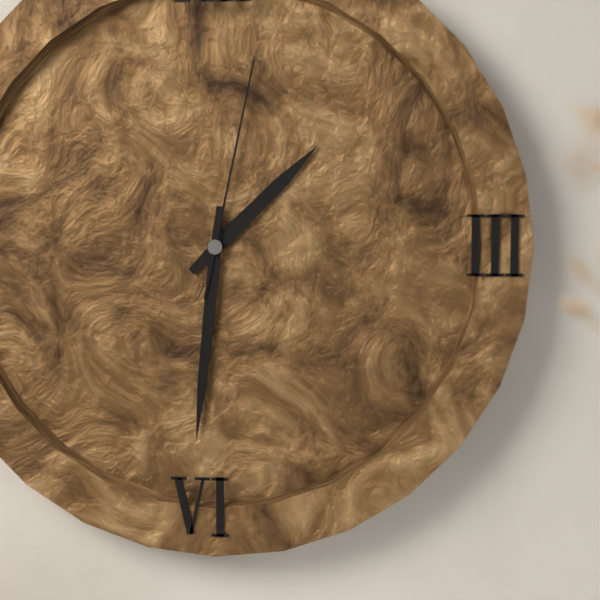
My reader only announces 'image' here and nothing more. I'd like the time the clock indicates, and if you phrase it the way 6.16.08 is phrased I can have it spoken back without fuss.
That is 1.31.02
